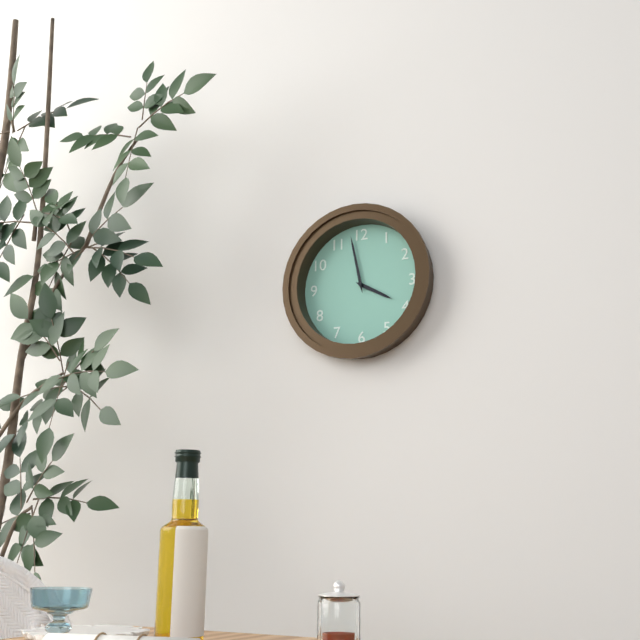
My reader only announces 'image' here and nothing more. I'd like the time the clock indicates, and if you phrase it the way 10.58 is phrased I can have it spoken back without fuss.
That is 3.58
